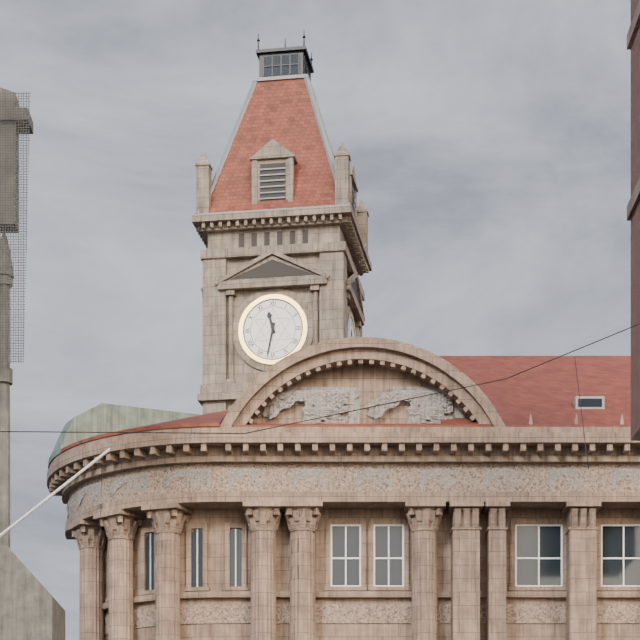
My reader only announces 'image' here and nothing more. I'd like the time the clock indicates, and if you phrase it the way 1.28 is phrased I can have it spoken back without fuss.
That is 11.32
